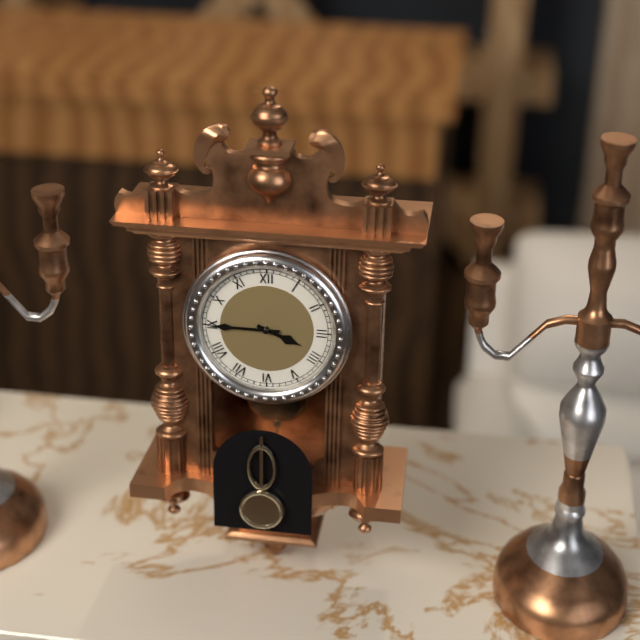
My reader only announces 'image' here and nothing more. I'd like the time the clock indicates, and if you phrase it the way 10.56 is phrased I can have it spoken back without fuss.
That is 3.45
